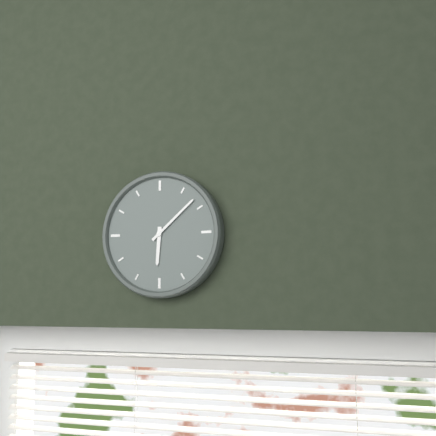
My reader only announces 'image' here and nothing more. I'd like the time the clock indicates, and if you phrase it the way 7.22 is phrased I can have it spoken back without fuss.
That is 6.08
